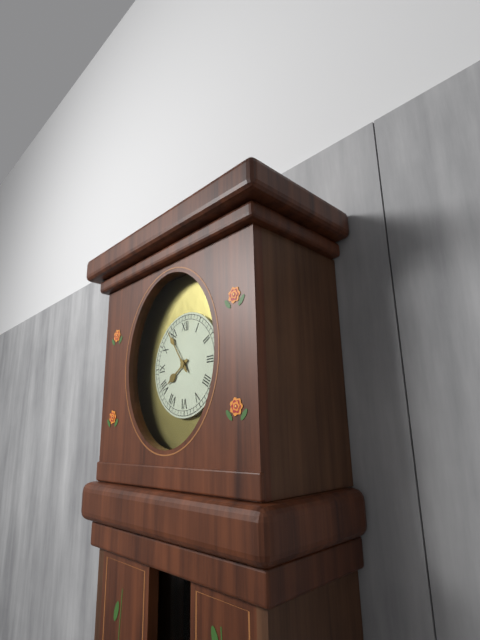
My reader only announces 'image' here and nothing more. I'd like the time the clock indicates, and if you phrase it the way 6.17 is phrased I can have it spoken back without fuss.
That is 7.54
